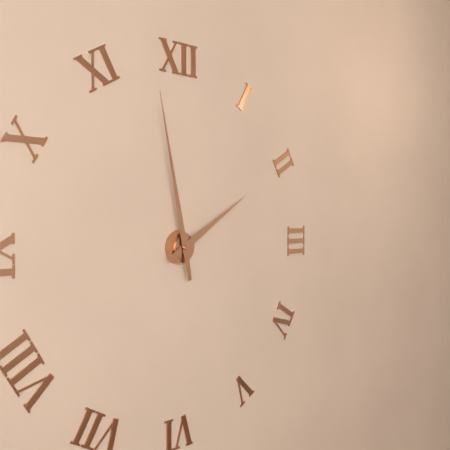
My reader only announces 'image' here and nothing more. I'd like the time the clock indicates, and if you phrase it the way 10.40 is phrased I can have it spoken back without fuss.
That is 1.58
